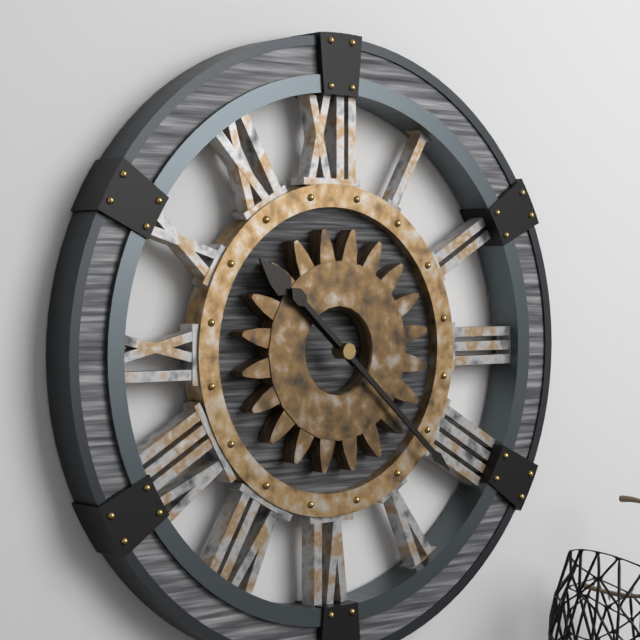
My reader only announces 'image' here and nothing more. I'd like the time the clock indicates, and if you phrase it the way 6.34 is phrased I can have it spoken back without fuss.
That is 10.22
